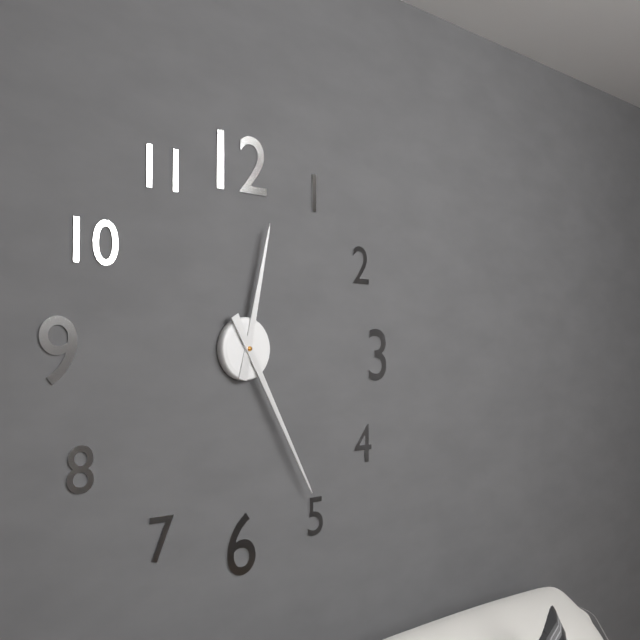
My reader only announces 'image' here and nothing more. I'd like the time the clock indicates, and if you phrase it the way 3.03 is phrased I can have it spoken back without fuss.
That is 12.25
